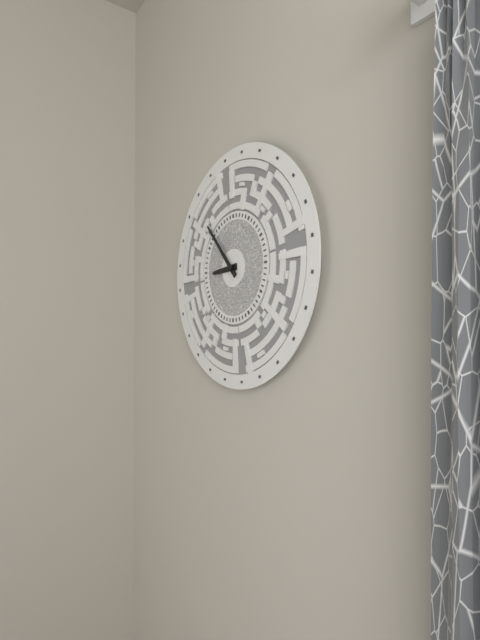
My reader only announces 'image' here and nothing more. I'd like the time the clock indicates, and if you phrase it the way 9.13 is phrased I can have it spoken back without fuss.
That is 8.53
